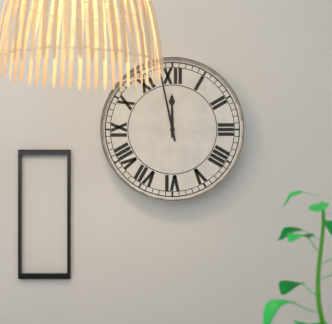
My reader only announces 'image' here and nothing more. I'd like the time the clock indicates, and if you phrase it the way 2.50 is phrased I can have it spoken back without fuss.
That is 11.58
